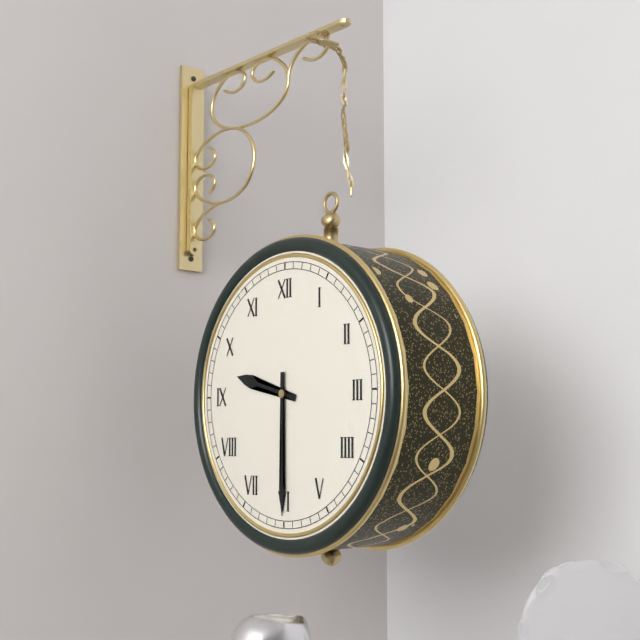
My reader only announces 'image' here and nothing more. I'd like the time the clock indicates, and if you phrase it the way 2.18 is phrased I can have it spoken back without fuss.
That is 9.30
